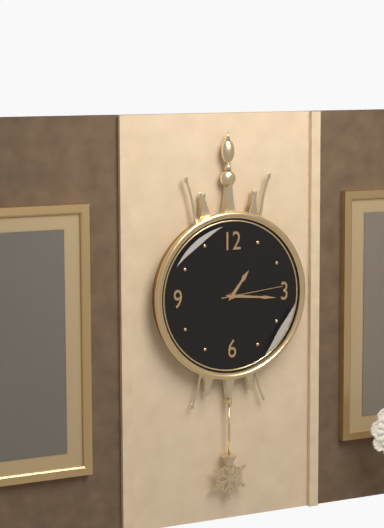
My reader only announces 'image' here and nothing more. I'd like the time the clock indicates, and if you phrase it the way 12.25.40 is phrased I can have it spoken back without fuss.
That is 1.16.14
